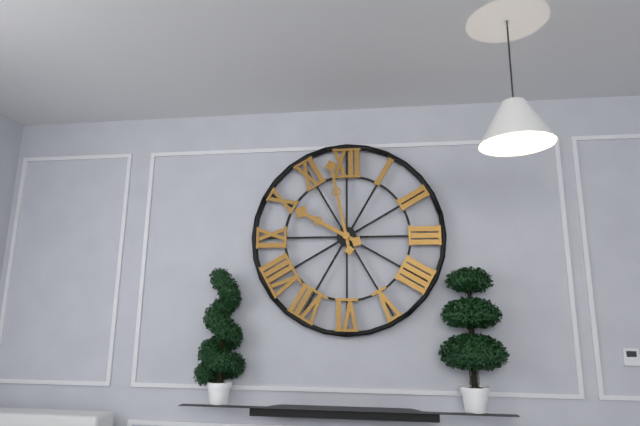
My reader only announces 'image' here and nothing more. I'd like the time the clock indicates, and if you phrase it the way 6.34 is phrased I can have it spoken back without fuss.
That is 9.58
